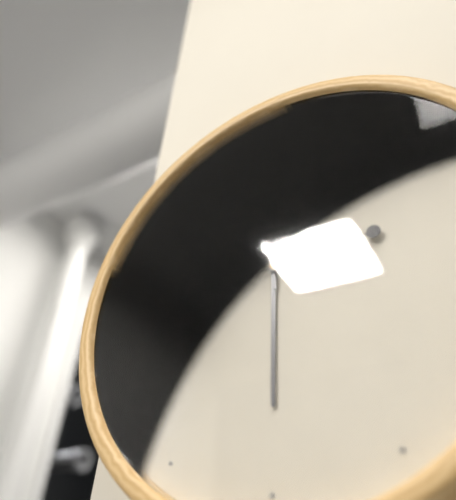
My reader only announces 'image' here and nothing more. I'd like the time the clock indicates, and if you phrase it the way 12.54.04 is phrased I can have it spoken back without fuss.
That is 5.59.44
